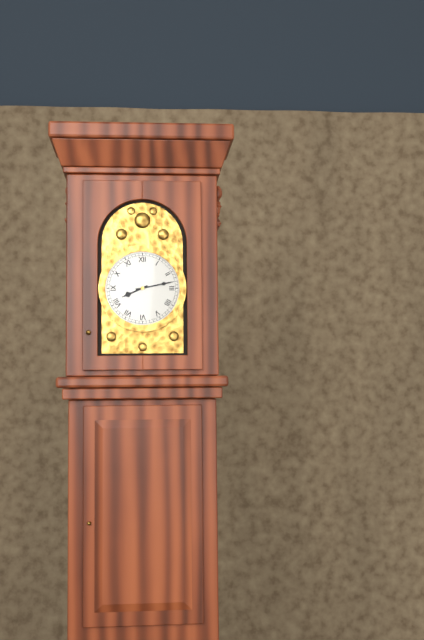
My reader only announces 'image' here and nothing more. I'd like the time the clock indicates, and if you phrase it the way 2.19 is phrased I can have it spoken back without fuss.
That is 8.13
